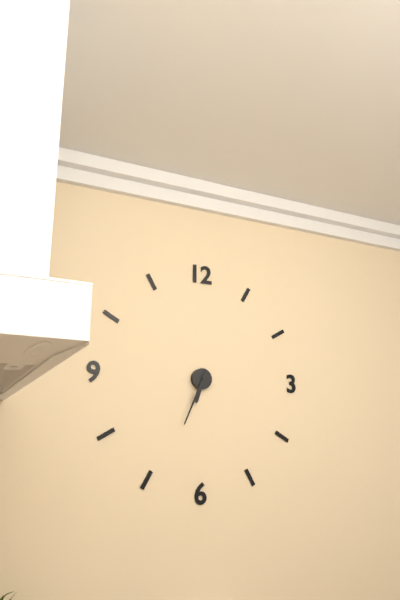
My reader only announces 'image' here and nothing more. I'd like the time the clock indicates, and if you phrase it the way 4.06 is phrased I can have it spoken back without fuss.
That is 6.34
